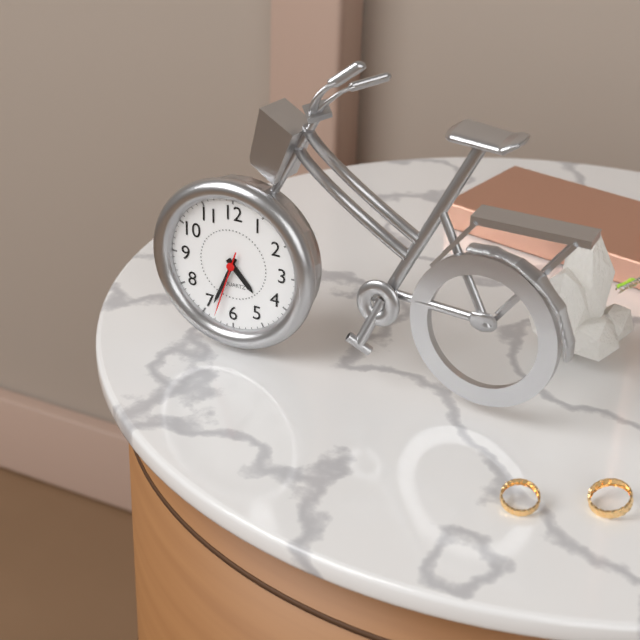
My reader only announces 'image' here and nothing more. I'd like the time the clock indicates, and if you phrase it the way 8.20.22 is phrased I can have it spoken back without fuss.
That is 4.34.33
